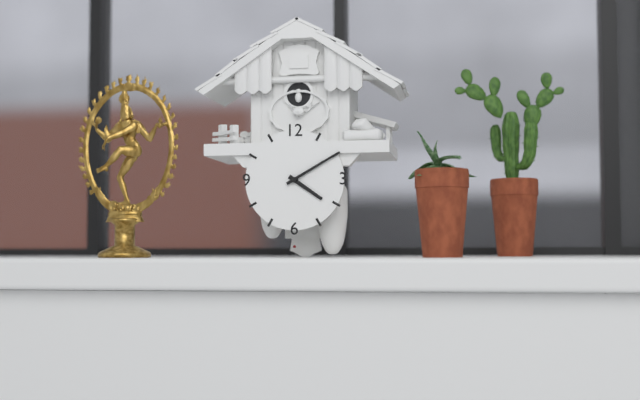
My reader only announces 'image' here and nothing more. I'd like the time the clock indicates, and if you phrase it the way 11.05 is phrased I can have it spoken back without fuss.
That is 4.10
